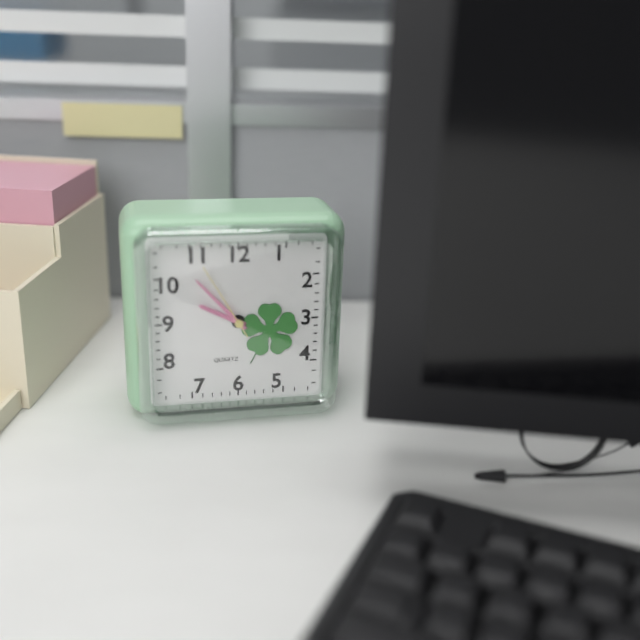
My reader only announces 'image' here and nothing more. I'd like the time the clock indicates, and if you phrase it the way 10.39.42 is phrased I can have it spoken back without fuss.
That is 9.53.55
